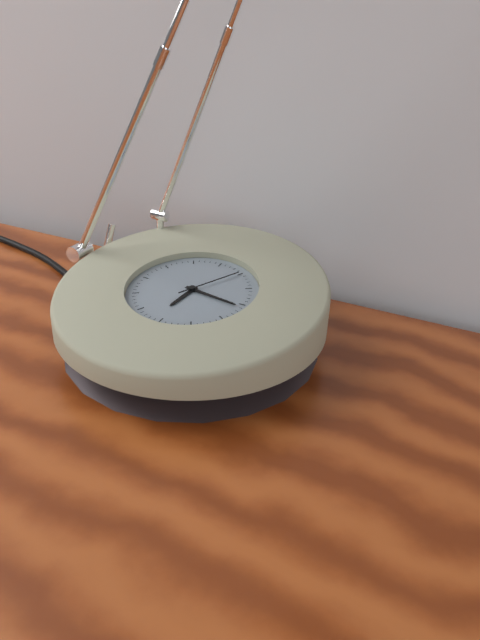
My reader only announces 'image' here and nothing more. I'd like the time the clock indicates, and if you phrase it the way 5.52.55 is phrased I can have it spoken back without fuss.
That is 6.16.05
